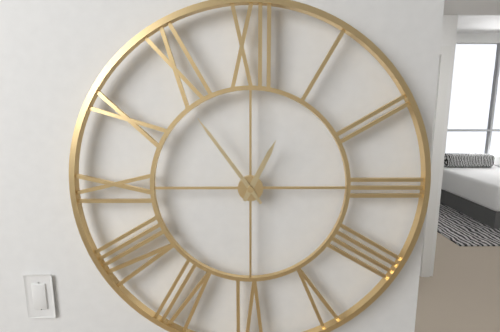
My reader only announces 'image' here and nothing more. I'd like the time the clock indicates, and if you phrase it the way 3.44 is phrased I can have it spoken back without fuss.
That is 12.54
